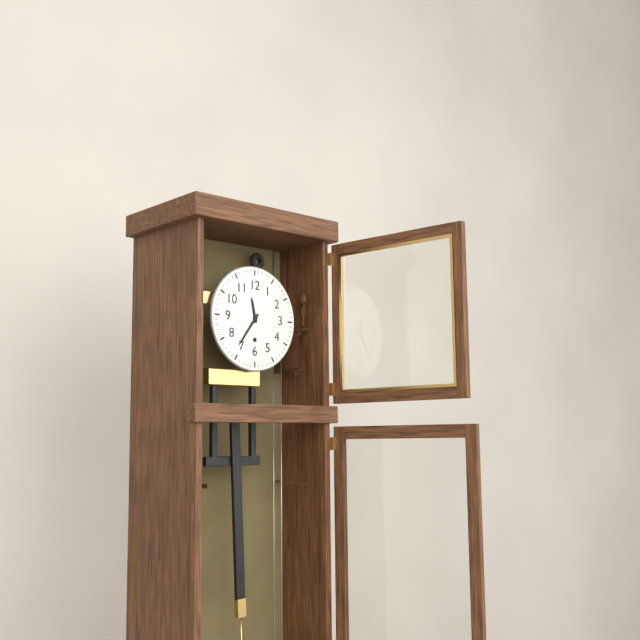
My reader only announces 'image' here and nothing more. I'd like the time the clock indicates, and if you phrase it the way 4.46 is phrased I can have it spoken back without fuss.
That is 11.36
